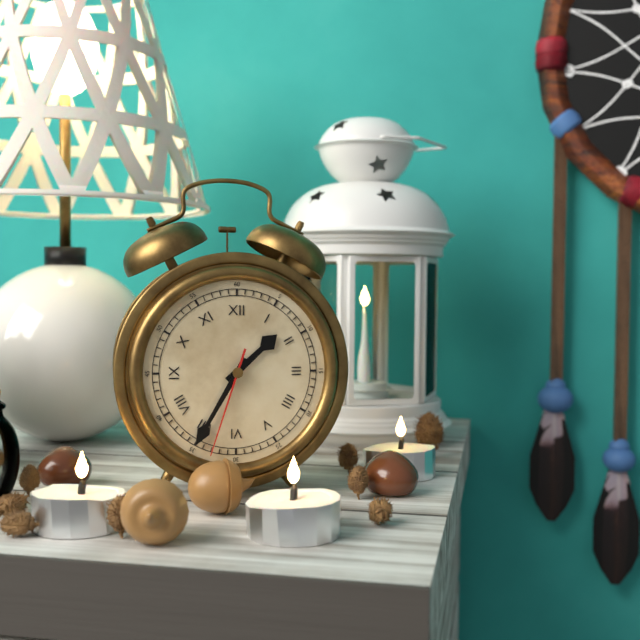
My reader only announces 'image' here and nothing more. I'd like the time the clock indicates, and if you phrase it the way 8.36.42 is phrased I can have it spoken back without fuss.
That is 1.35.33
